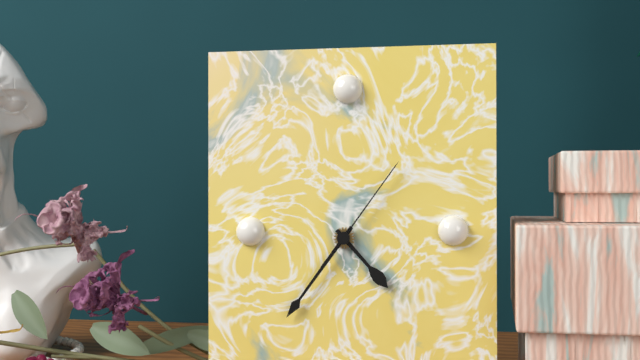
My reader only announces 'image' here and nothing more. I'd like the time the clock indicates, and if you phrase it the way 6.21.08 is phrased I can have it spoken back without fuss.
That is 4.36.06
